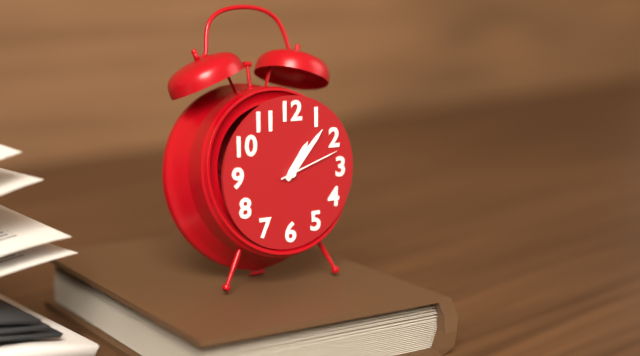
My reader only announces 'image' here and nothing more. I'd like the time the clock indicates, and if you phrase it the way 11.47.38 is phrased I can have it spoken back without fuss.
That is 1.07.12
